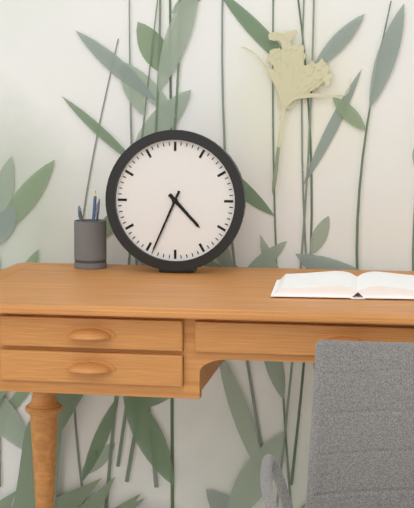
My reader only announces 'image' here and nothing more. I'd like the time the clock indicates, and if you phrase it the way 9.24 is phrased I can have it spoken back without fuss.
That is 4.34
